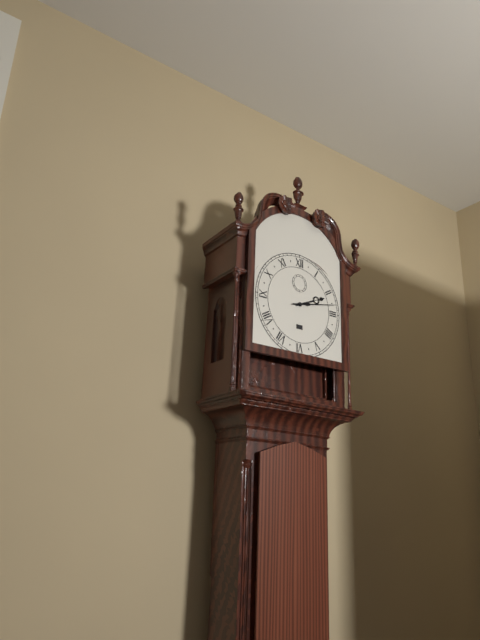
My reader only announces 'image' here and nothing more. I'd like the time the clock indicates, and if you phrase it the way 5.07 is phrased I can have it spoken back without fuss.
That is 2.13
